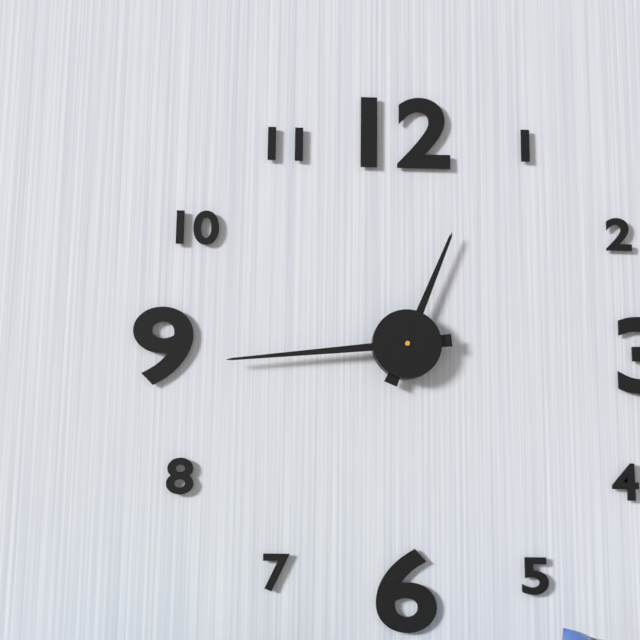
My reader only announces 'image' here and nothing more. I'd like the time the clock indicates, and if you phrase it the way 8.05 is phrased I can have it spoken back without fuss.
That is 12.44
